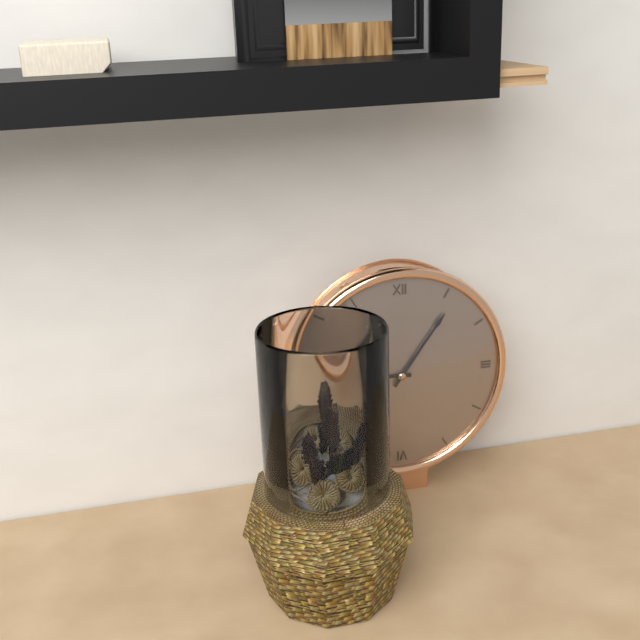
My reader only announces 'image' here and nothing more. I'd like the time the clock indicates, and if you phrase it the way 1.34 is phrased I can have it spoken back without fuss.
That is 9.06
